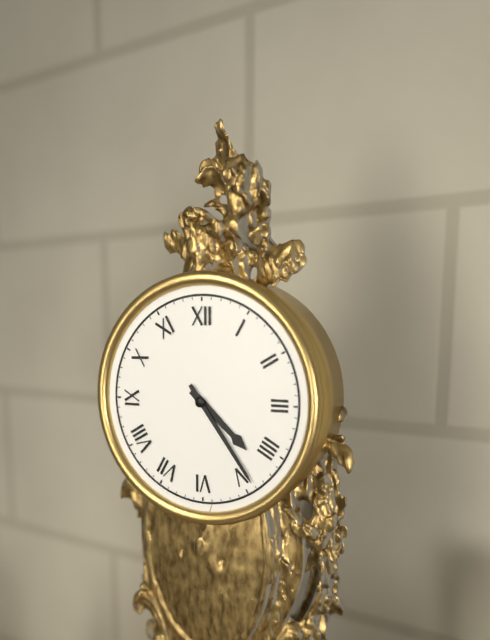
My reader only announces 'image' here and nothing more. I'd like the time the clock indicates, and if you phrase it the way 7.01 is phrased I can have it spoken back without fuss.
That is 4.24
